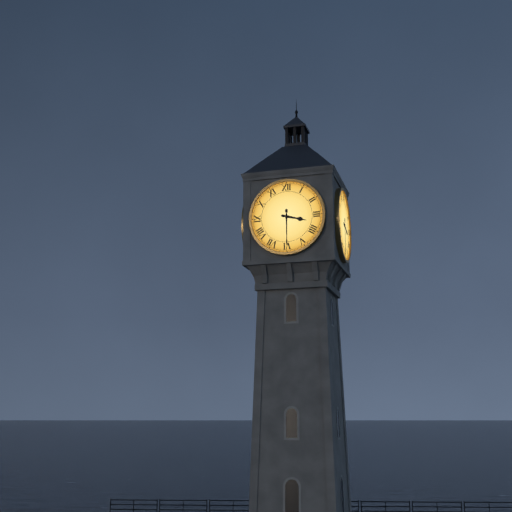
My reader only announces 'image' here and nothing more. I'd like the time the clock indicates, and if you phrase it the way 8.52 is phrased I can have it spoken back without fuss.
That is 3.30
